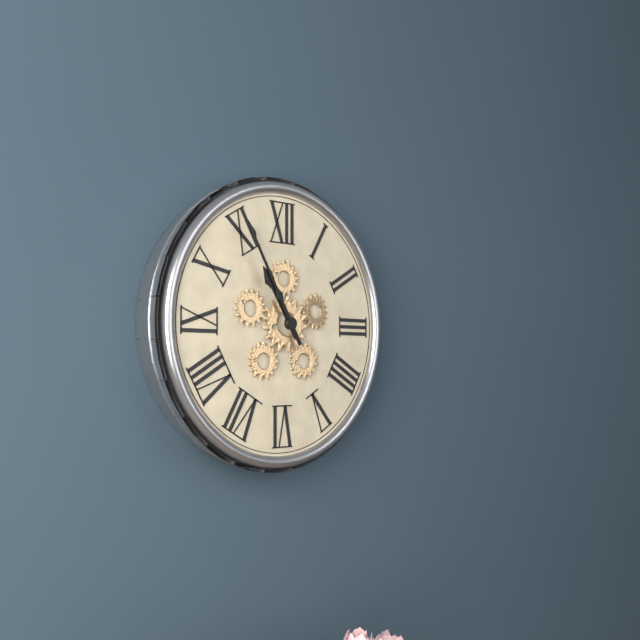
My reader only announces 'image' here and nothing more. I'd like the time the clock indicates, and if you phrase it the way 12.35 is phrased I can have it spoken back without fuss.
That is 10.55
